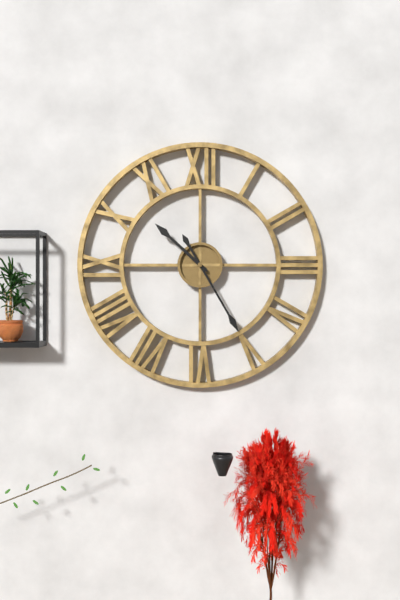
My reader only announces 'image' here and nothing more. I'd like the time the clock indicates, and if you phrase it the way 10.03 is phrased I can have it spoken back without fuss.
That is 10.25
